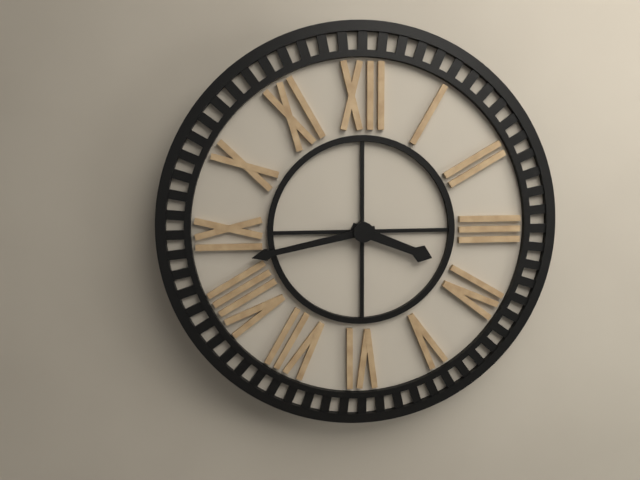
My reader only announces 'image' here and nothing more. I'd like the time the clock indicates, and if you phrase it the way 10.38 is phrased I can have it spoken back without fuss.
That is 3.43
